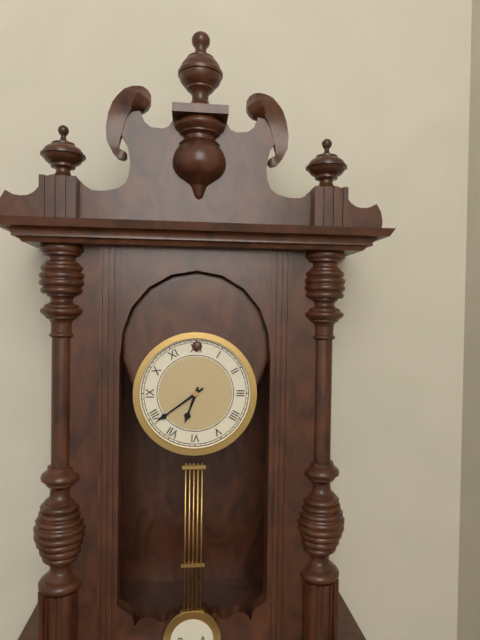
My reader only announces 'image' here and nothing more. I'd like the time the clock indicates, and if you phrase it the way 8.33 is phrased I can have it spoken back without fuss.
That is 6.39
